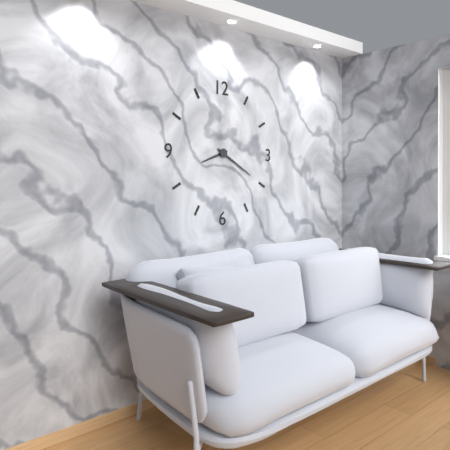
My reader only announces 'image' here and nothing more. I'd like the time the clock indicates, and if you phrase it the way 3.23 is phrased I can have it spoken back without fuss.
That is 8.20
